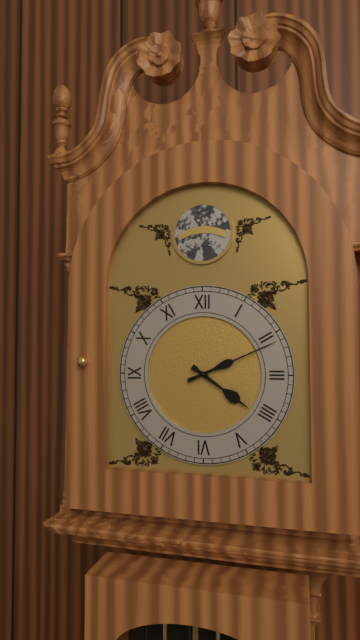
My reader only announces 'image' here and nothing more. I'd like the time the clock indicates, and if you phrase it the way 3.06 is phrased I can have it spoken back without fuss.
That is 4.11
